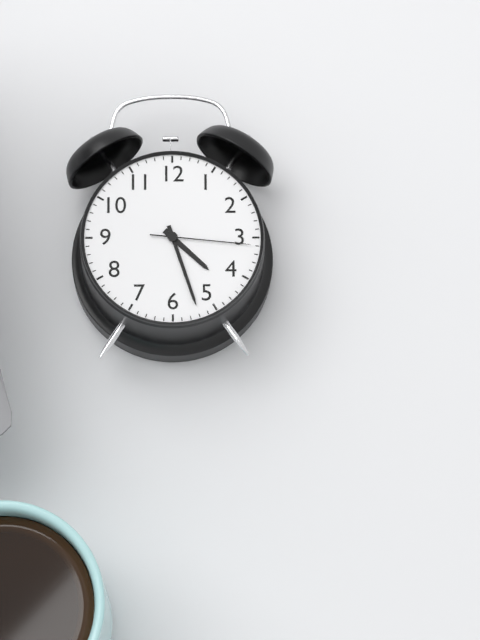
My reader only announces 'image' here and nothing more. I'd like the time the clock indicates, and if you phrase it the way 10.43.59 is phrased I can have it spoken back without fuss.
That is 4.27.16
